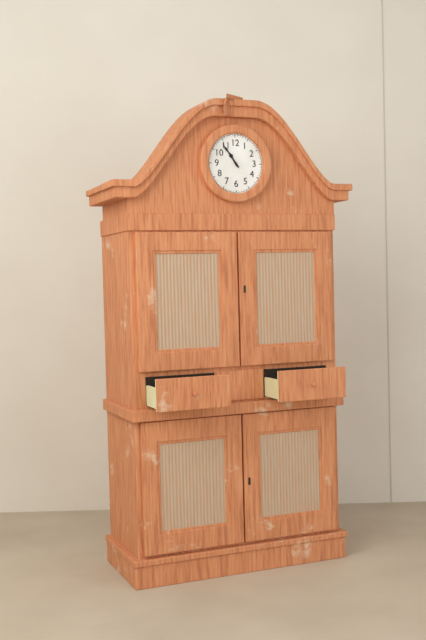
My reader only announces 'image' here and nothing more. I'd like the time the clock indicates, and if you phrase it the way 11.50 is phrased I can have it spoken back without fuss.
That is 10.54
